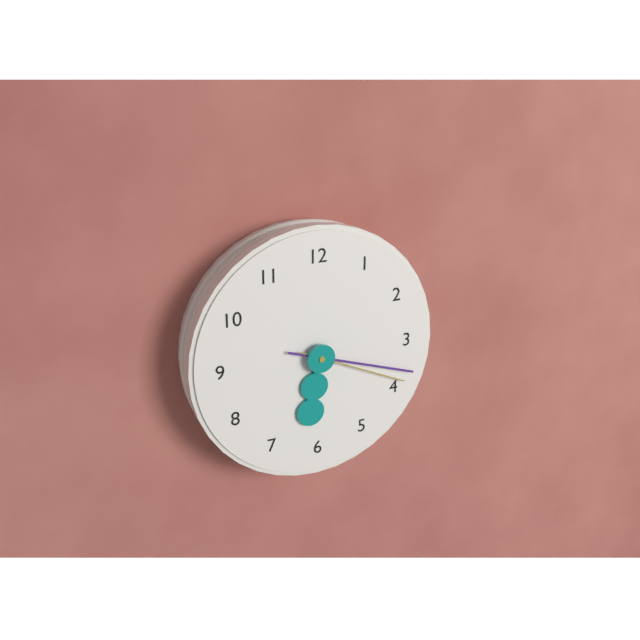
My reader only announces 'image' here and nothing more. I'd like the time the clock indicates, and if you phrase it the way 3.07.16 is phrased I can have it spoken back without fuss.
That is 6.18.19
